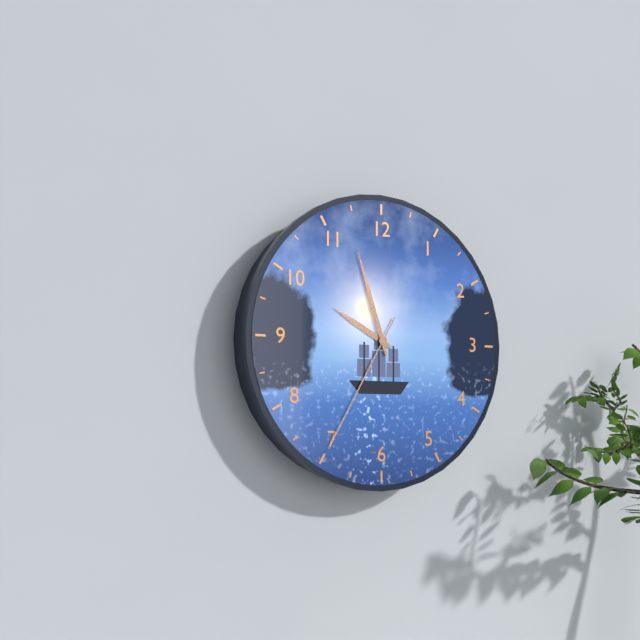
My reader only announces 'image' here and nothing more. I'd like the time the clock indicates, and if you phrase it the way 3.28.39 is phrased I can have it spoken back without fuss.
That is 9.57.35
